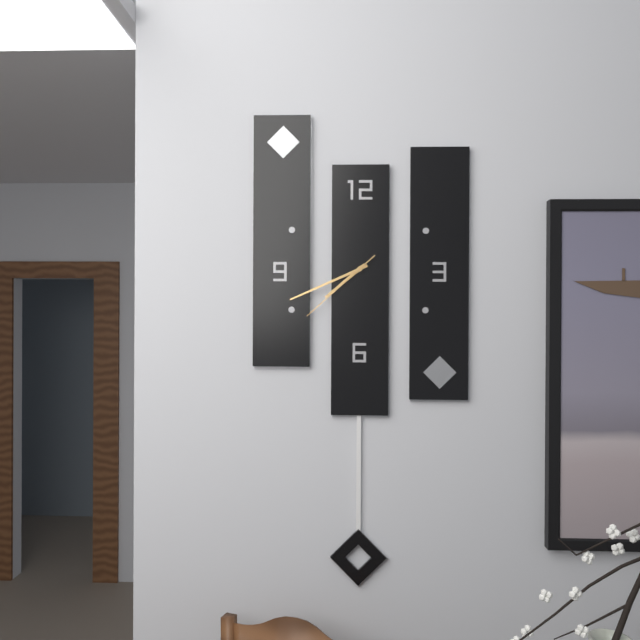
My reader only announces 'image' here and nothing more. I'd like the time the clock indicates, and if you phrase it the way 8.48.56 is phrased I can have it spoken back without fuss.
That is 7.41.38
